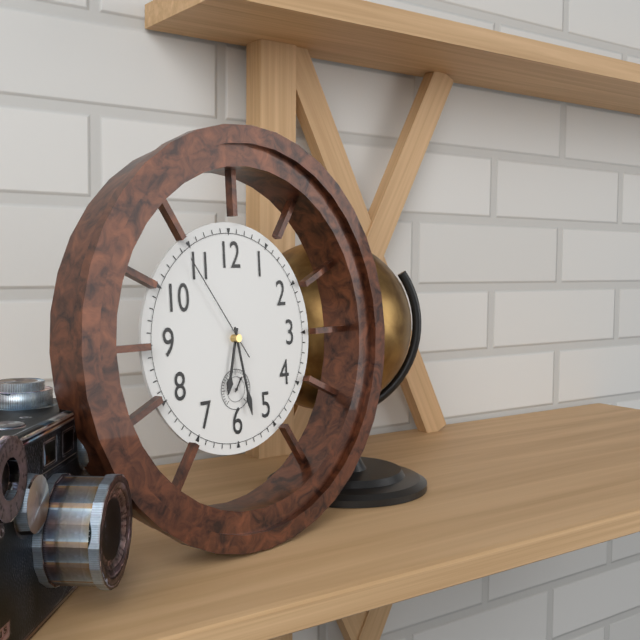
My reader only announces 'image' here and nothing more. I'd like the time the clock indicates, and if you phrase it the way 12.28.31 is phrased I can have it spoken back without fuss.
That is 6.28.54
